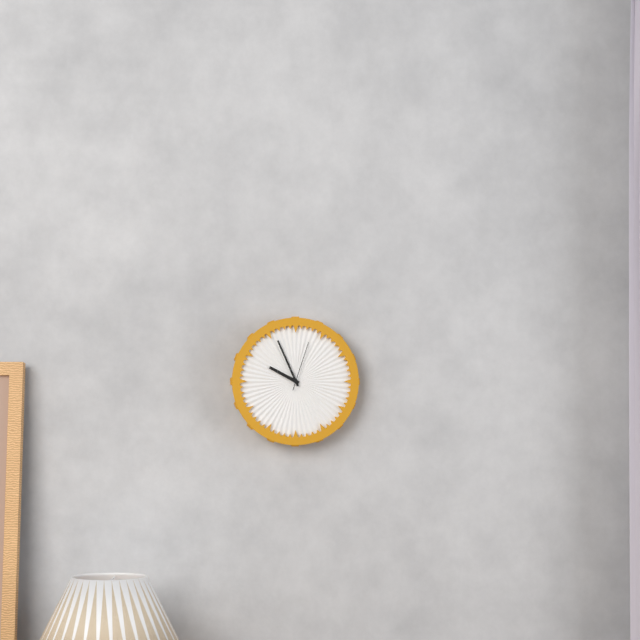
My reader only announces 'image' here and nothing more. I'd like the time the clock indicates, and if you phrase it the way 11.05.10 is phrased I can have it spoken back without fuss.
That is 9.56.03
